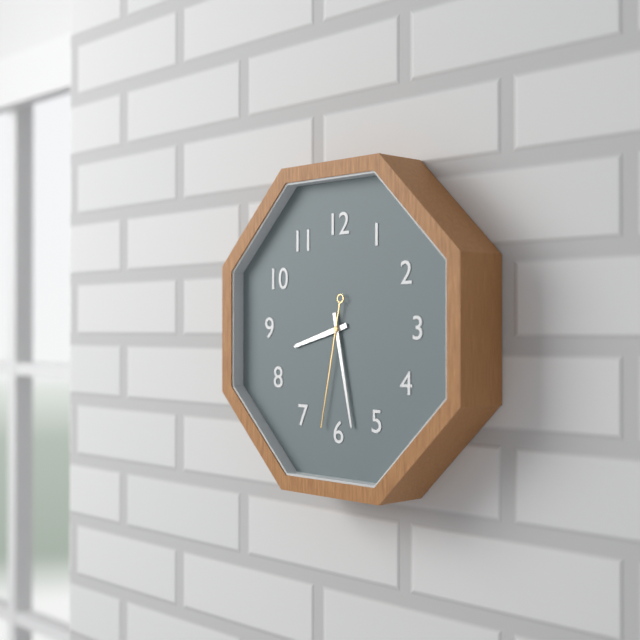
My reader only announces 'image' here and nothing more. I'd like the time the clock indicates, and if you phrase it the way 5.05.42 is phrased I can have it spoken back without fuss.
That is 8.28.32
